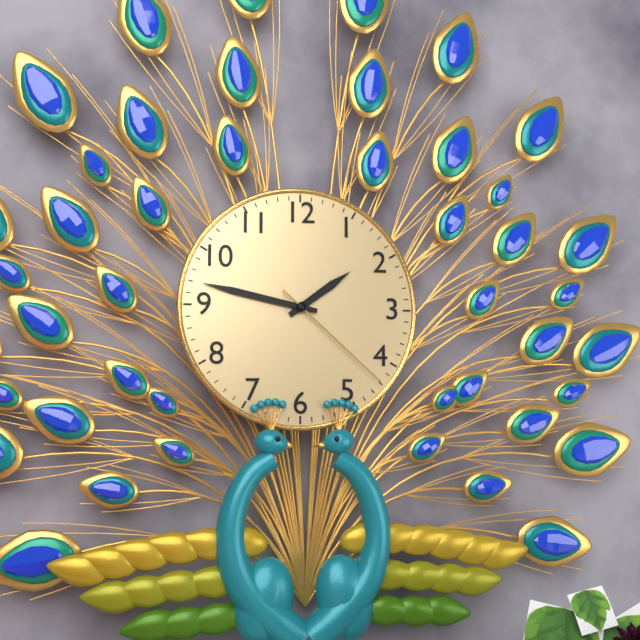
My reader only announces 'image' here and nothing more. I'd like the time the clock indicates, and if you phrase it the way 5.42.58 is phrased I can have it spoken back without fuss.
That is 1.47.22
